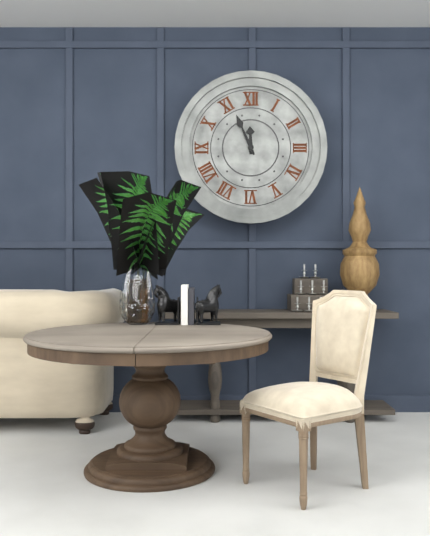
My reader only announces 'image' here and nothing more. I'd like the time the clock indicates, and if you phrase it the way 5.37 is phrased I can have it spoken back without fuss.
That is 11.56
